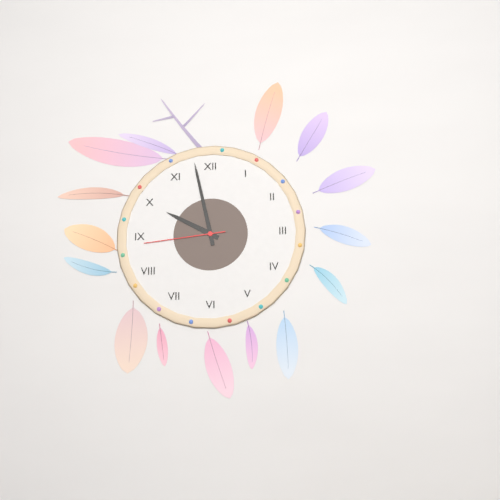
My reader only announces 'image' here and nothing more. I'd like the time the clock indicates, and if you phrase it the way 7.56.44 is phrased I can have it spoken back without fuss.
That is 9.58.44
